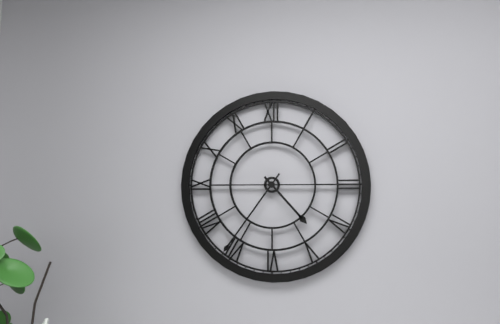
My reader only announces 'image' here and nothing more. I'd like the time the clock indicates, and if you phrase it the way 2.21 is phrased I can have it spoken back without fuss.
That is 4.36
